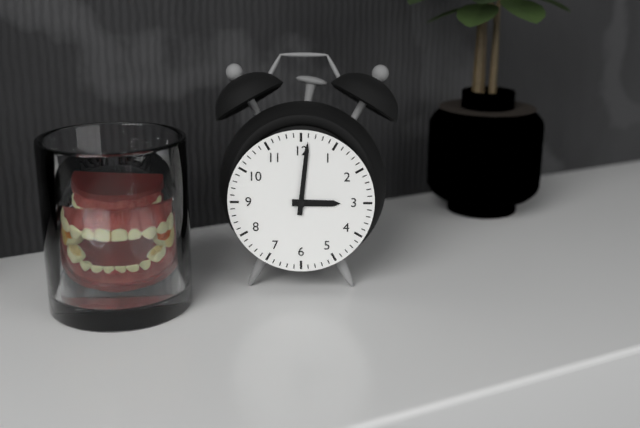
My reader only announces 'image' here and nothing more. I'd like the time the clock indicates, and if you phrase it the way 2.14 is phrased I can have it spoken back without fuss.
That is 3.01
